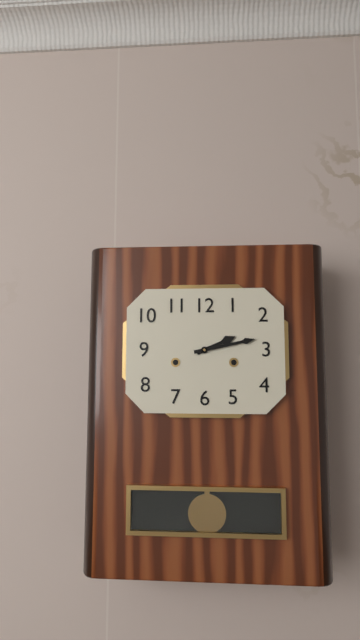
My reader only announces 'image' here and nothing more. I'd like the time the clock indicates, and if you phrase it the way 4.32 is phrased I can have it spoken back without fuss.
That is 2.13
